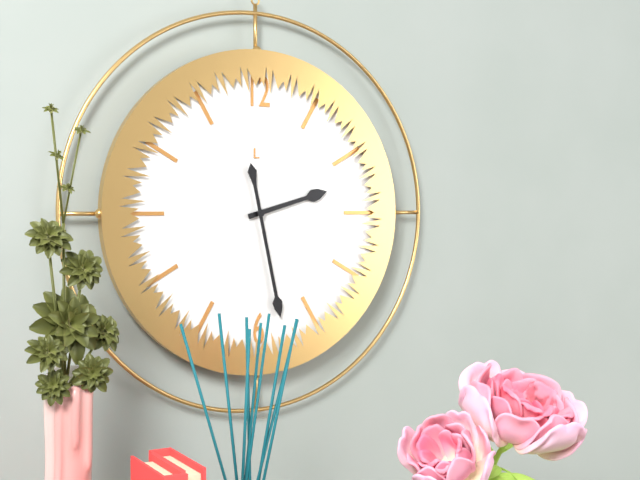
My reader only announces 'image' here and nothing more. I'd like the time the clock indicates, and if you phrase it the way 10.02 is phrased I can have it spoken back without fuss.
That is 2.28
